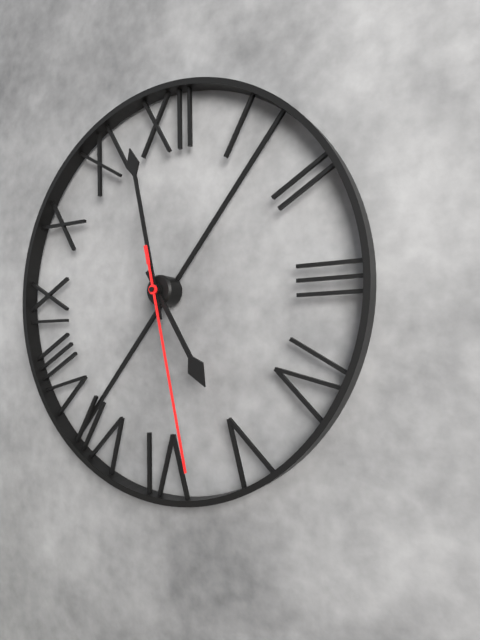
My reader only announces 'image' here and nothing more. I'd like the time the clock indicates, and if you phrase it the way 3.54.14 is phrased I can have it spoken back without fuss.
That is 4.58.28
